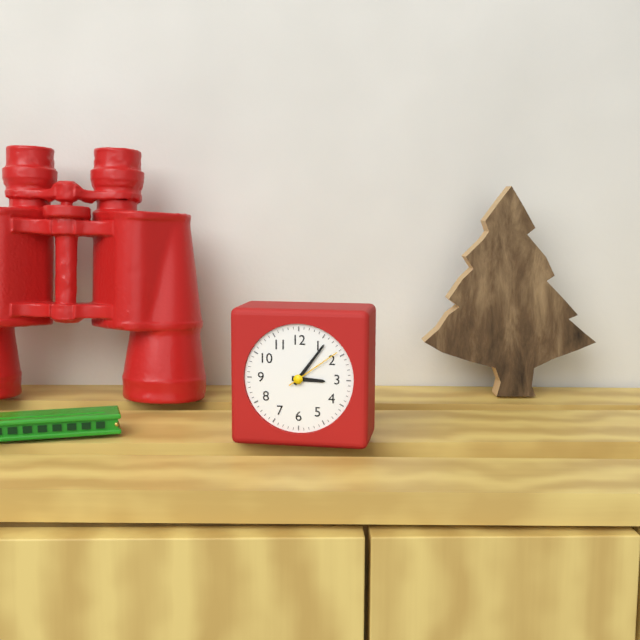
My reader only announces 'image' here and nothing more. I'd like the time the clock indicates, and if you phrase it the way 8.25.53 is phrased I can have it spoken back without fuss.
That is 3.06.09
